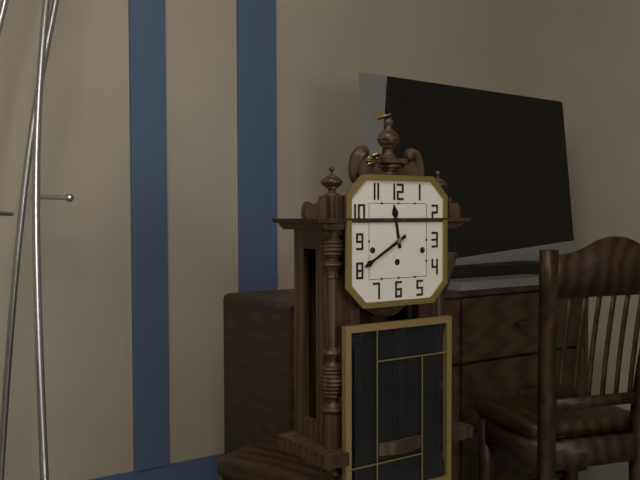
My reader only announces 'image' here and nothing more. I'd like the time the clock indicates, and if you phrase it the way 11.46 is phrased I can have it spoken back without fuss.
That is 11.40
